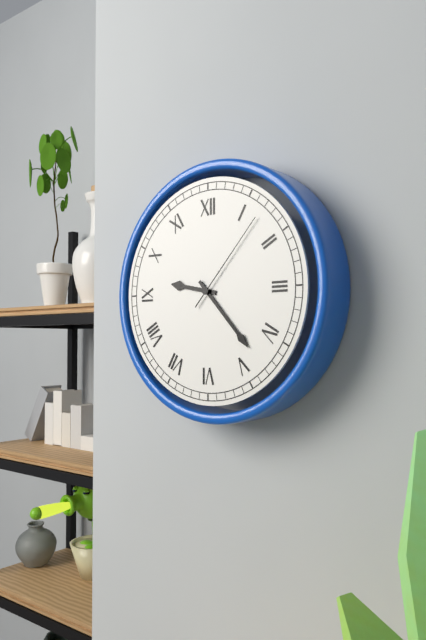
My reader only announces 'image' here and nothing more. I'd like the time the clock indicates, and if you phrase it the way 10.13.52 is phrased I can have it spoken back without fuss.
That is 9.23.07
